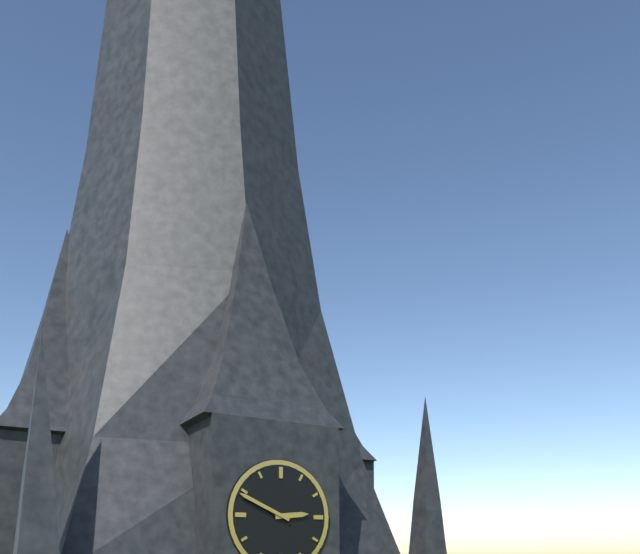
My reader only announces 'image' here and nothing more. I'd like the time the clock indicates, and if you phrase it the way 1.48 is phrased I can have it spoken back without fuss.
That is 2.49
